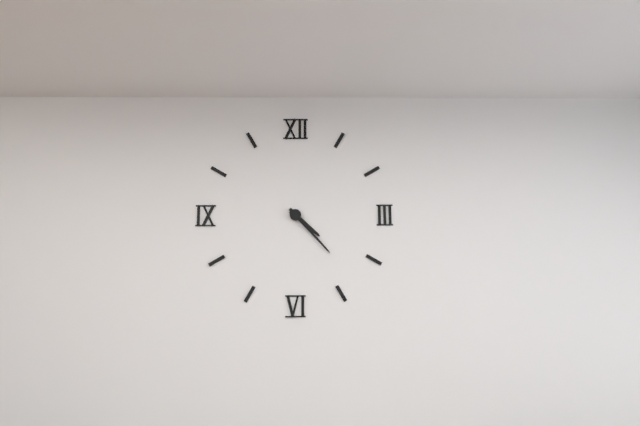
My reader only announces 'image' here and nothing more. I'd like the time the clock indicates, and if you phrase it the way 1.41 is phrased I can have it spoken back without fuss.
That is 4.23
